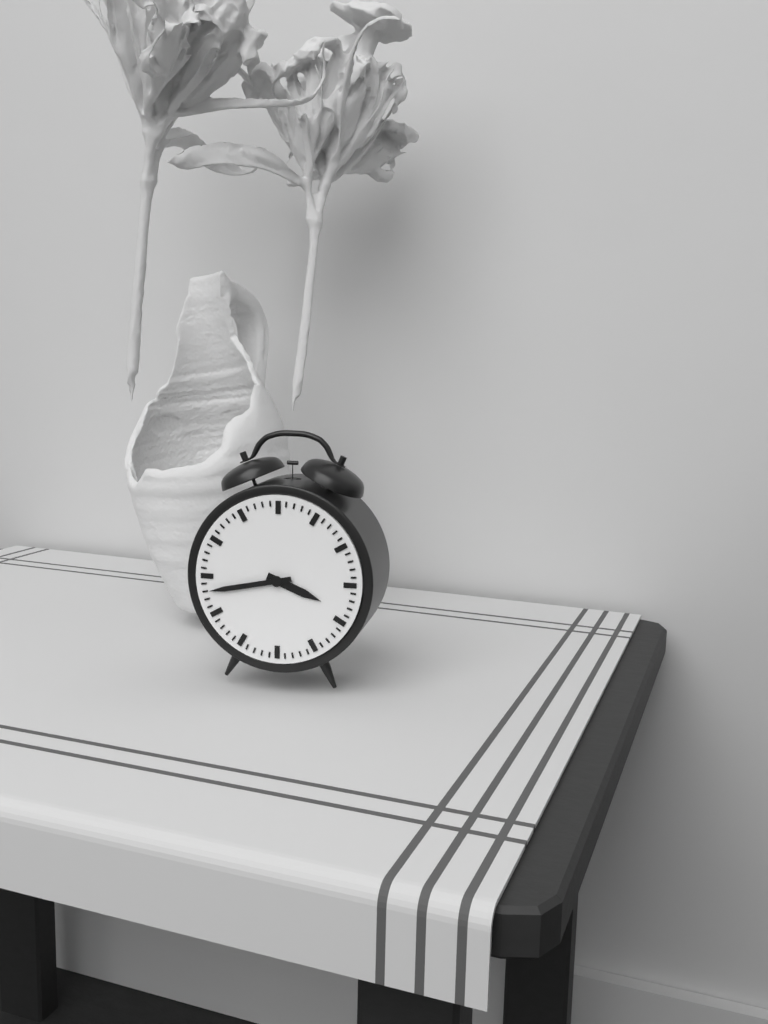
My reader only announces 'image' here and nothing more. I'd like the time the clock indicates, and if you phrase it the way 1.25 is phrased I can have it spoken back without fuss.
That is 3.43
